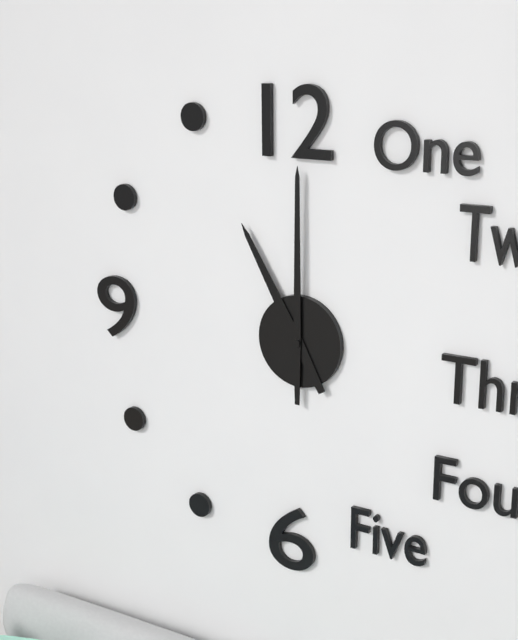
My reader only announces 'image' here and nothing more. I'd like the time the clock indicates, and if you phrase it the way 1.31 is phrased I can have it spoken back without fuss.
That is 11.00
